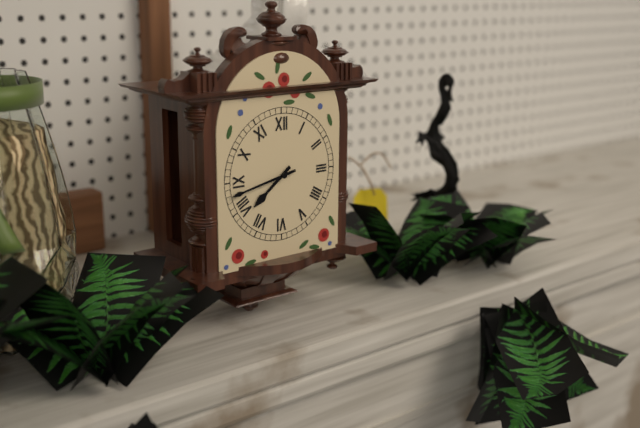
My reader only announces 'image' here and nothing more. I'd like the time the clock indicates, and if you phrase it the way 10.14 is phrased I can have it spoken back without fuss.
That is 7.43
